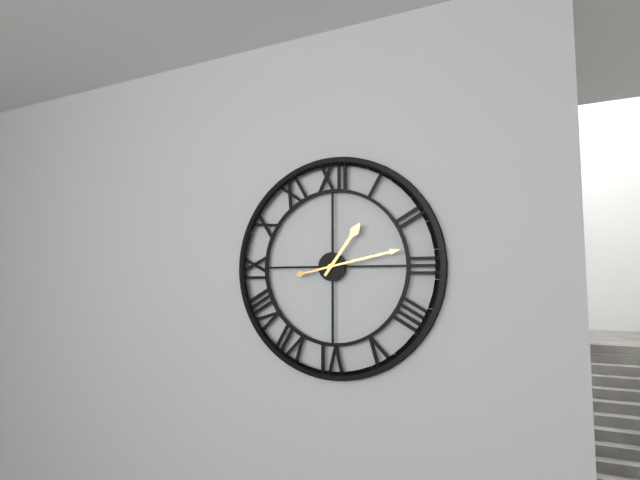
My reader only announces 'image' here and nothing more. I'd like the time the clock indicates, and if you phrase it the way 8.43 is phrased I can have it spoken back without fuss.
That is 1.13
